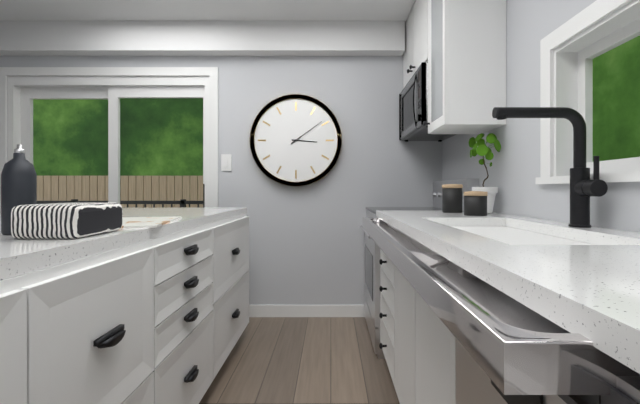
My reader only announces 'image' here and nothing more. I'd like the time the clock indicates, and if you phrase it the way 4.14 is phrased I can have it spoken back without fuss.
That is 3.09
